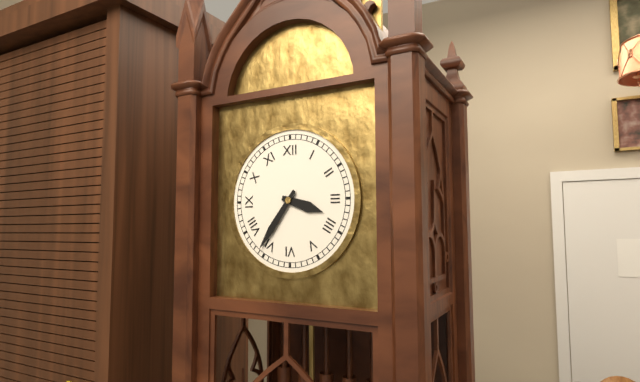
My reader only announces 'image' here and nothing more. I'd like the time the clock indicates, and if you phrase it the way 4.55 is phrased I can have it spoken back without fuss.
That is 3.36
